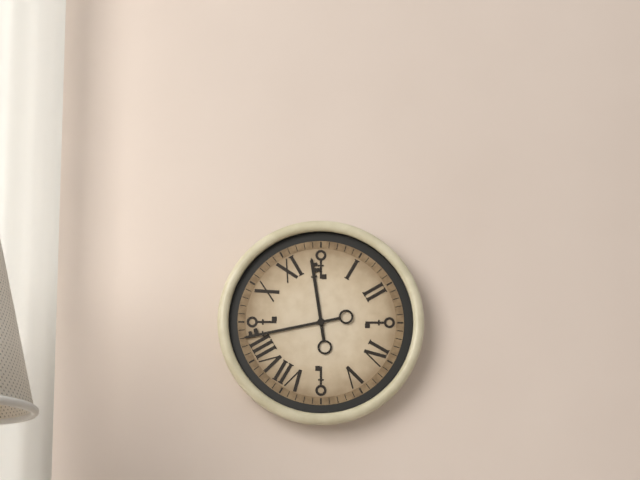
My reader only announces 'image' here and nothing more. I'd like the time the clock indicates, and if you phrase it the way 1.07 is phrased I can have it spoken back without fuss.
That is 11.43
